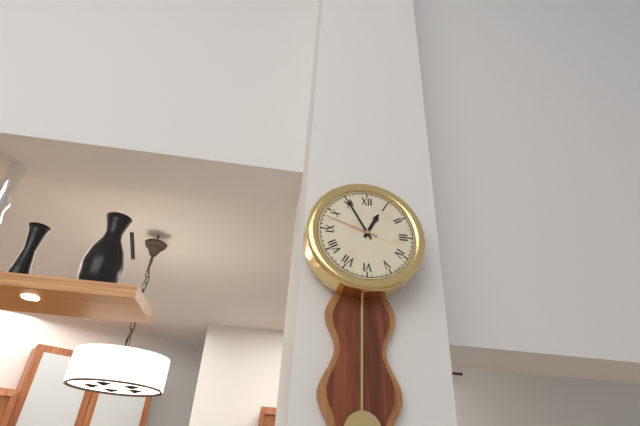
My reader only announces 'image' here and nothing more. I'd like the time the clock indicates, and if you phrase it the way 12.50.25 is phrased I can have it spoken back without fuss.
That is 12.55.48
